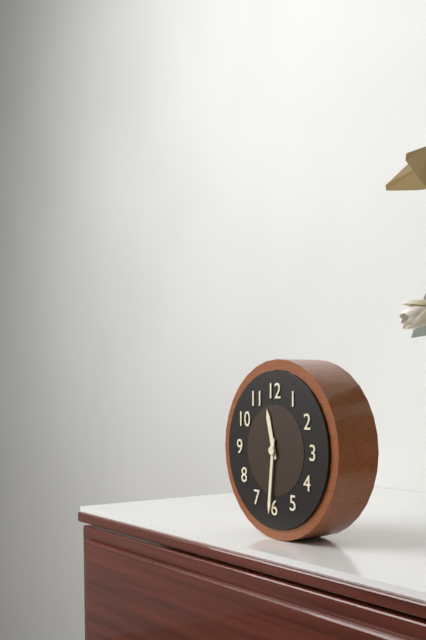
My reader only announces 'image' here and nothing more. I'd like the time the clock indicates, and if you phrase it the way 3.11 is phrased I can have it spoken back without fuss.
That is 11.31
